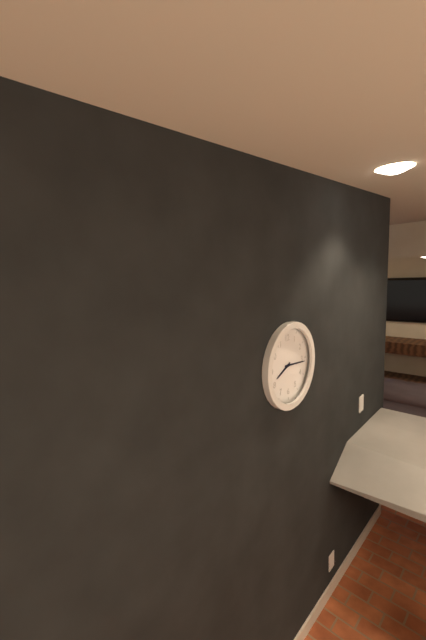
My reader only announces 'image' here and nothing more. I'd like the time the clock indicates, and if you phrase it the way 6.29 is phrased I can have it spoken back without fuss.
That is 8.16
